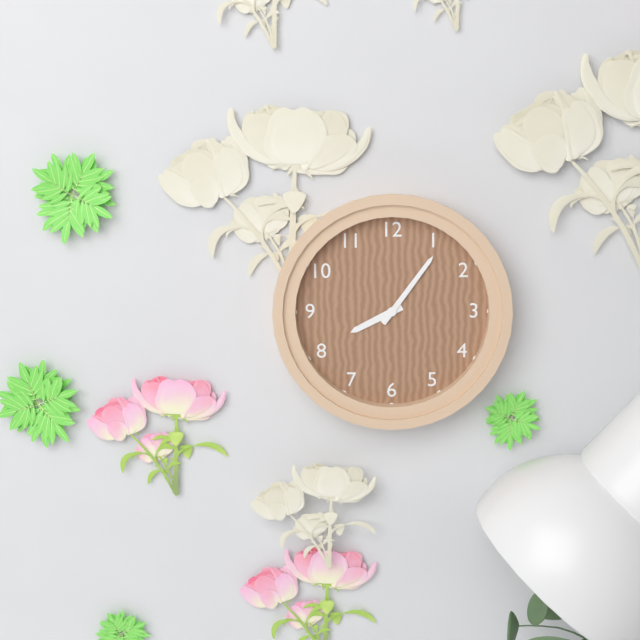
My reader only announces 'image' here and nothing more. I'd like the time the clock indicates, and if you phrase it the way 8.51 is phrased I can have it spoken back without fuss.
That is 8.06
